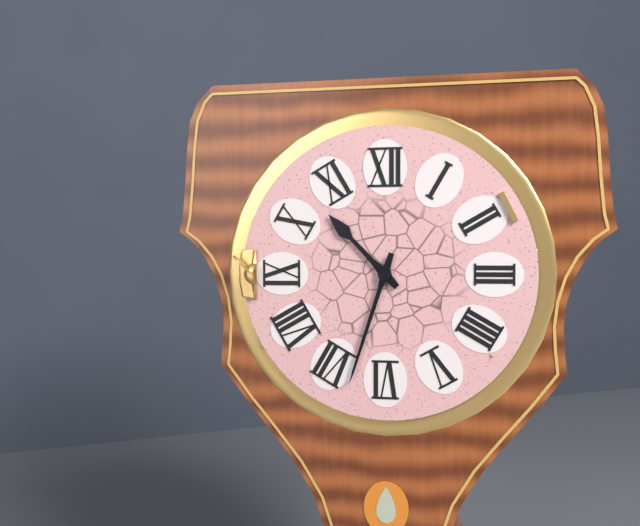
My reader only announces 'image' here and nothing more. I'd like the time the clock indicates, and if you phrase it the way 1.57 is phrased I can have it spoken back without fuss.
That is 10.33
